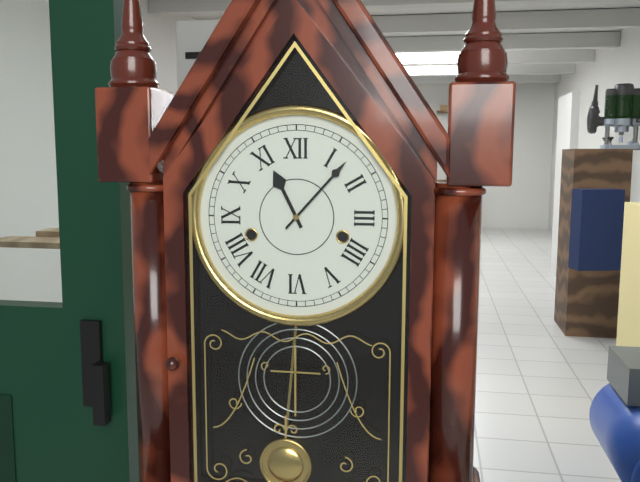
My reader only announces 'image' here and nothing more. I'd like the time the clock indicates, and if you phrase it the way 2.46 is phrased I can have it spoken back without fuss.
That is 11.07
